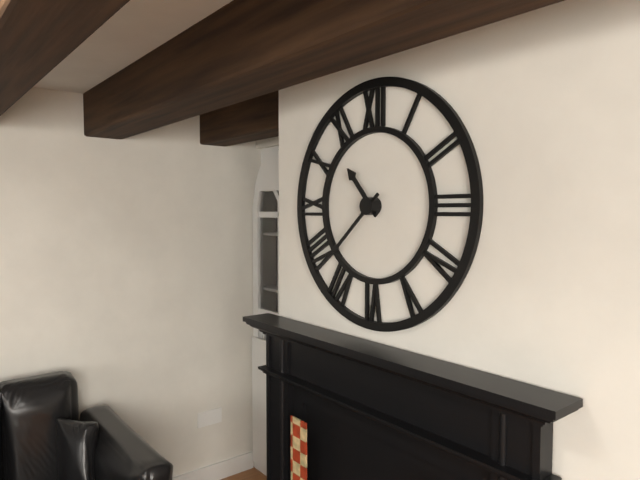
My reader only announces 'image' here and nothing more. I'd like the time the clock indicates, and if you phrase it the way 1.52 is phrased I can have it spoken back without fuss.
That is 10.38
